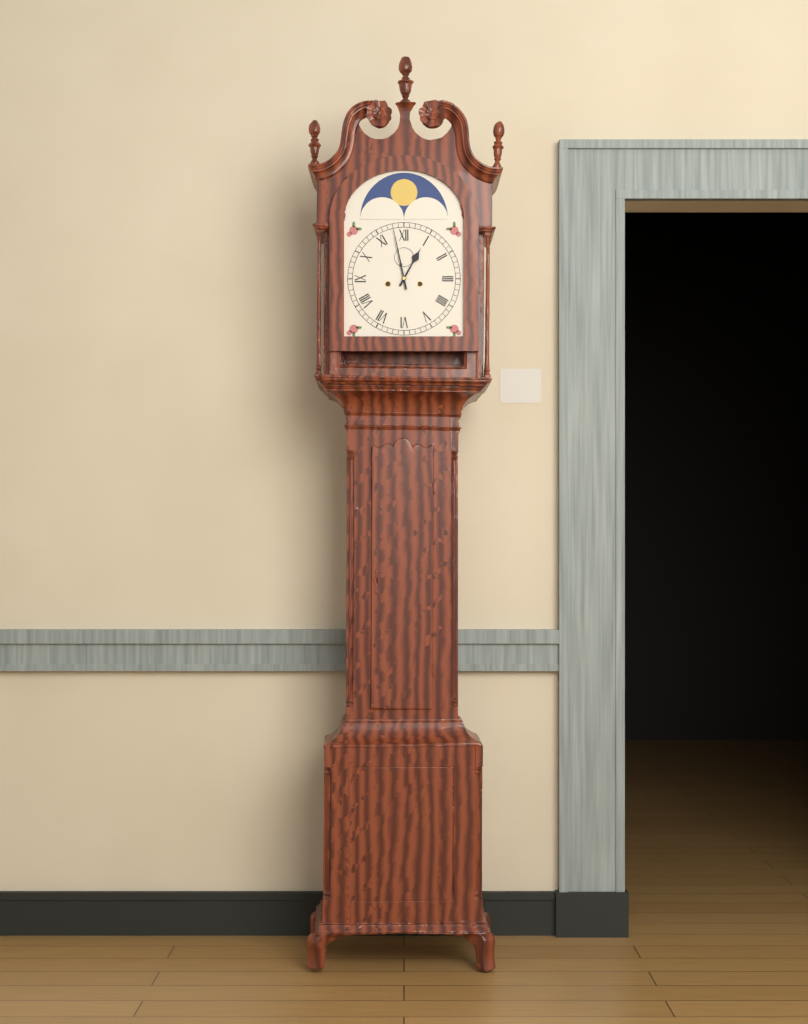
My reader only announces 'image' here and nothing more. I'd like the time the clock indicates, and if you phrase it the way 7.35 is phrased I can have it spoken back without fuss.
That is 12.58
